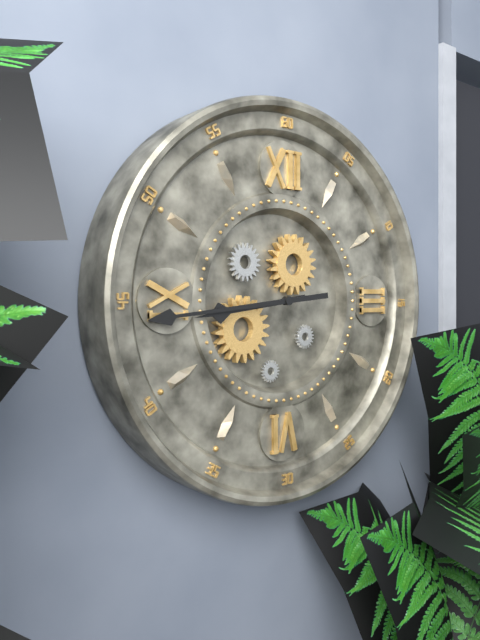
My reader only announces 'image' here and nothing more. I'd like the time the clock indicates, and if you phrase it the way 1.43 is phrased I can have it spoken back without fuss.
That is 8.44
